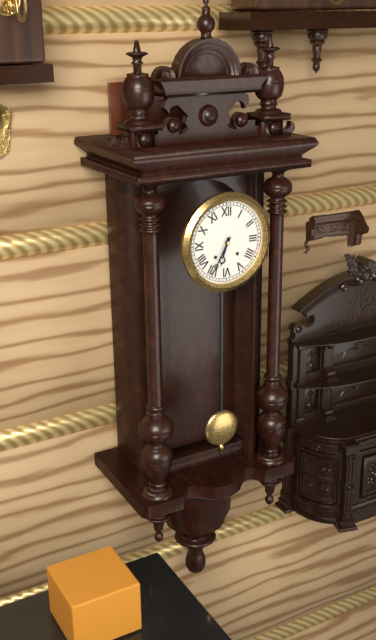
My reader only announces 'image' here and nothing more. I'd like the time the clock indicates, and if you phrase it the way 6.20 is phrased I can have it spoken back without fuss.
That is 6.35
